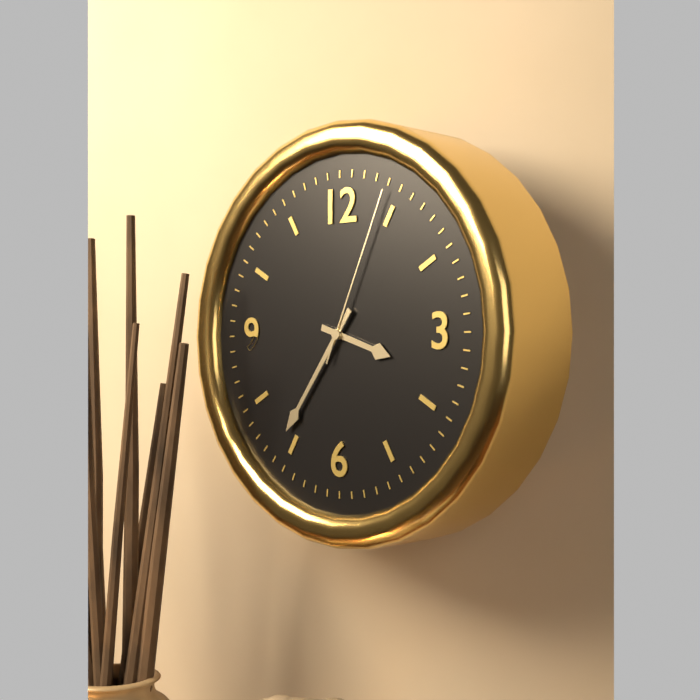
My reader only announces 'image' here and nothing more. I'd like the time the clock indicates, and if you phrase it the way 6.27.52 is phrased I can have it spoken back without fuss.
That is 3.36.04
